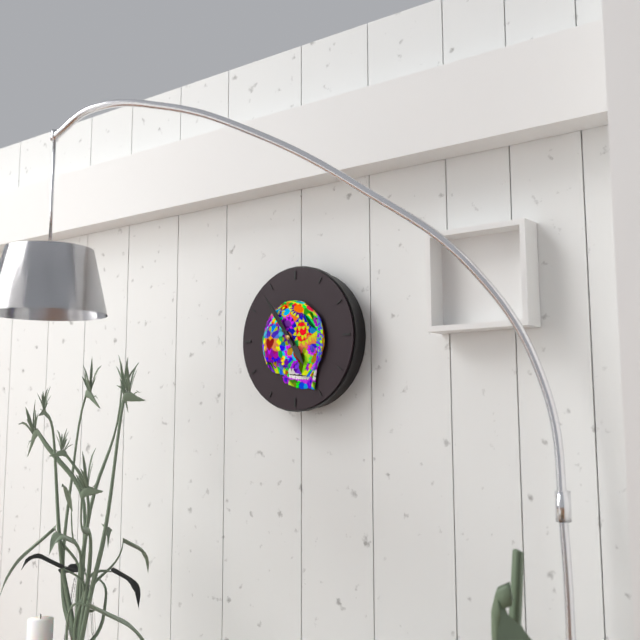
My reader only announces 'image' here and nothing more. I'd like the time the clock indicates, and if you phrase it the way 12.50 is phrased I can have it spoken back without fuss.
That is 4.54
